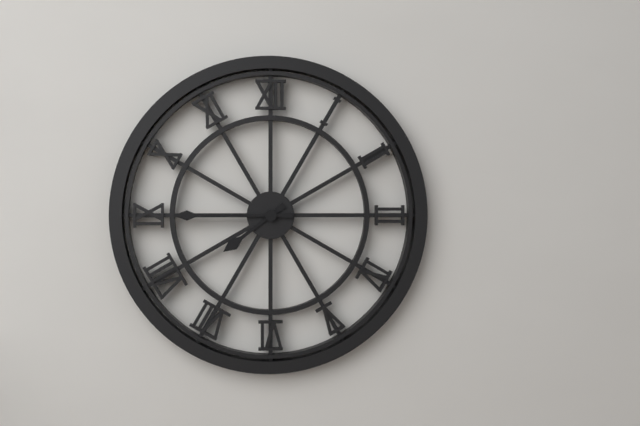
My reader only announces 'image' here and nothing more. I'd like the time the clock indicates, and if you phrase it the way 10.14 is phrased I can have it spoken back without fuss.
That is 7.45
